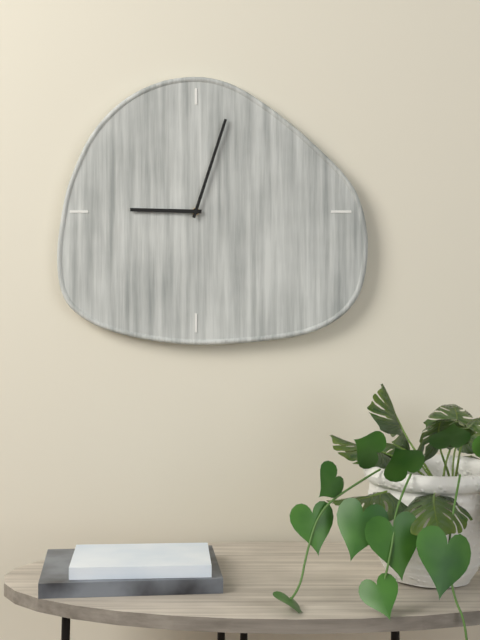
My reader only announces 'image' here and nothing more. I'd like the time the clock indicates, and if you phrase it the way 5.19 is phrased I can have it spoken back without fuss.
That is 9.03
